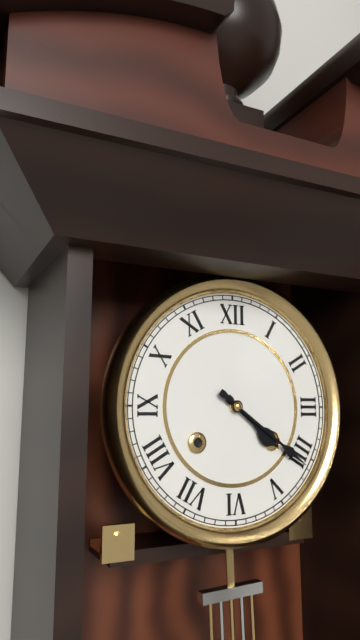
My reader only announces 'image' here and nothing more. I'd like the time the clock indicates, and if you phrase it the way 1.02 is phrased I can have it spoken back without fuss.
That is 4.21
